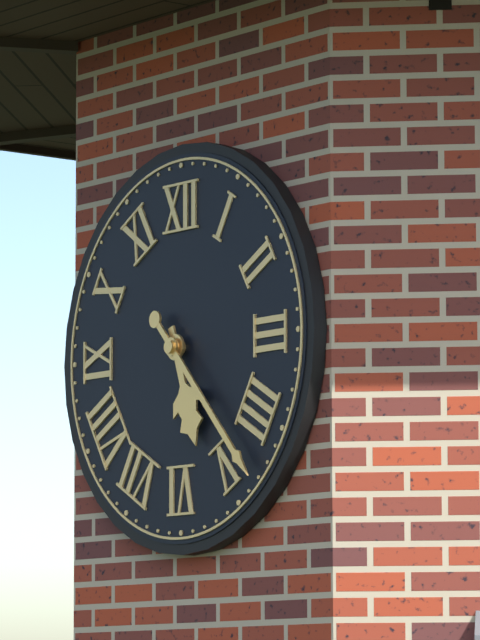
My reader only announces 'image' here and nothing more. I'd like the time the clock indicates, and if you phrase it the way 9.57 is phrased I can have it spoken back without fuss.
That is 5.23
